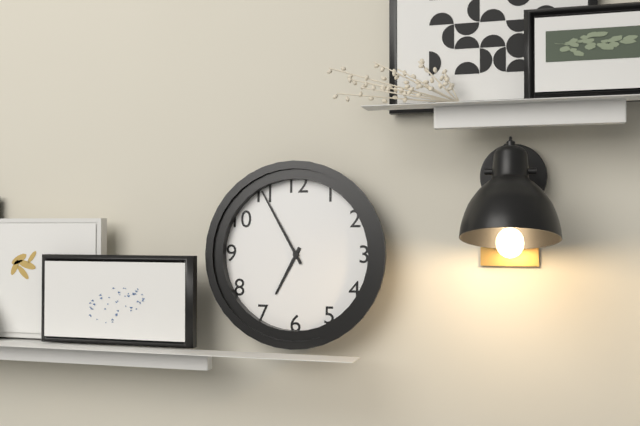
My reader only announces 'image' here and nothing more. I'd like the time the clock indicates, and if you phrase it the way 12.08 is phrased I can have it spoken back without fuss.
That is 6.55
